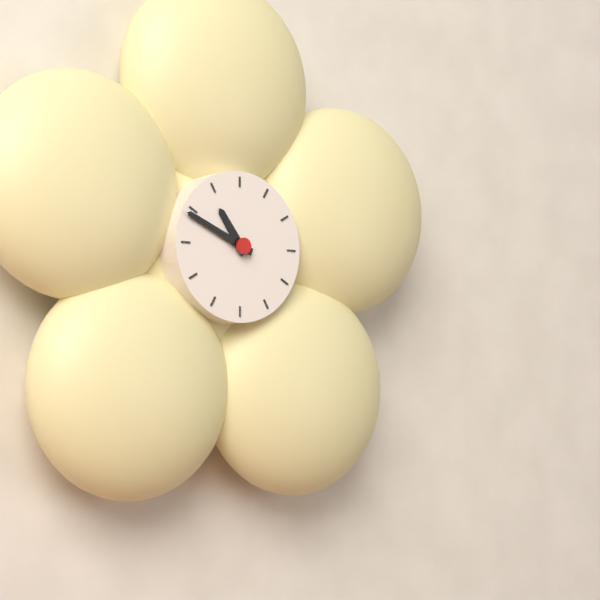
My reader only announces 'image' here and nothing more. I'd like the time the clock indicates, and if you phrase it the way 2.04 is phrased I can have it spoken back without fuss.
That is 10.49
